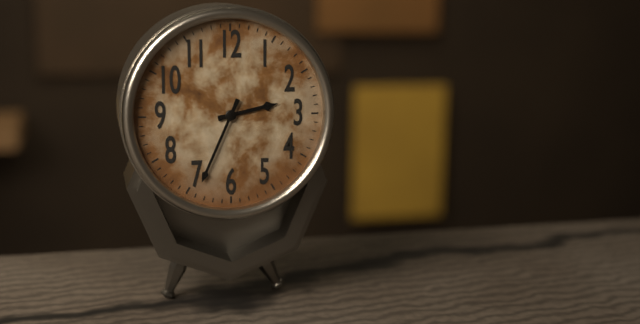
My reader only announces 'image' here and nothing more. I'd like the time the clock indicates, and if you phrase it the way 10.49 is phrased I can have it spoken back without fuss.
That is 2.34
